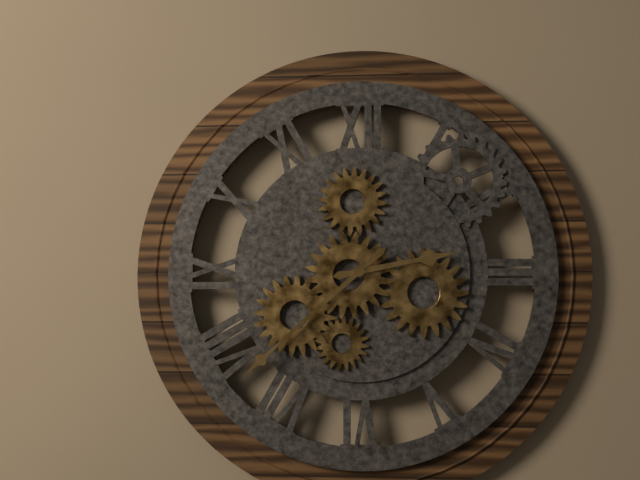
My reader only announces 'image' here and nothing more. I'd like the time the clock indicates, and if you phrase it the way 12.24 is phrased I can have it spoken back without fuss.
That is 2.38
